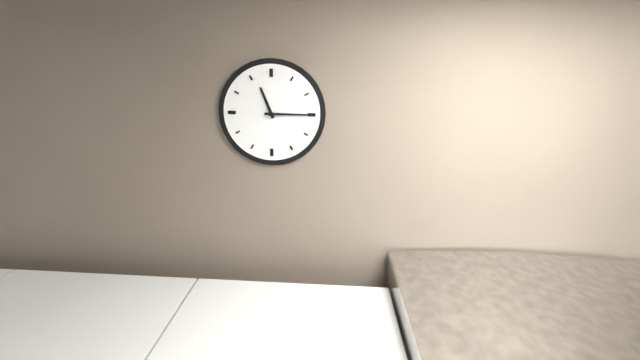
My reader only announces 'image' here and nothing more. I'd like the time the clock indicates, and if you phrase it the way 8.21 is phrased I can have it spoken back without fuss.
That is 11.15
